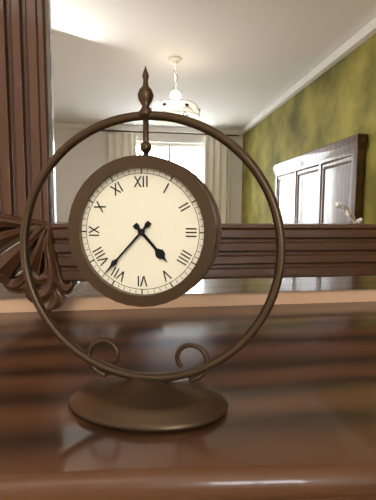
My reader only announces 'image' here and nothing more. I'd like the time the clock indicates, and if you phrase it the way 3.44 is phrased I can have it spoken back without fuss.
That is 4.37
